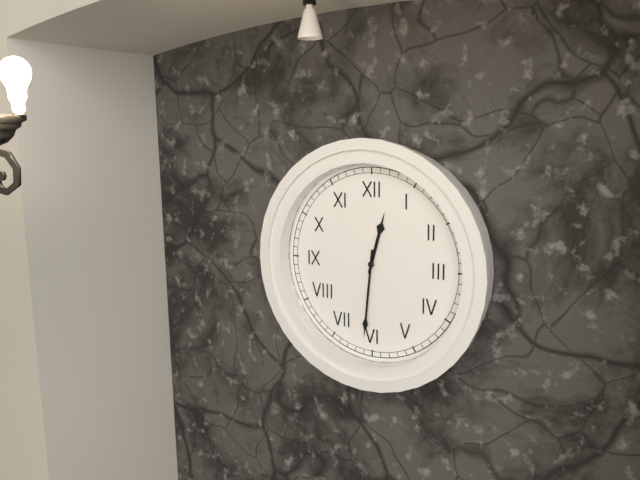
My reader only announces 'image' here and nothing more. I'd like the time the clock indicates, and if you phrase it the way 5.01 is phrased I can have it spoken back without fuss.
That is 12.31
